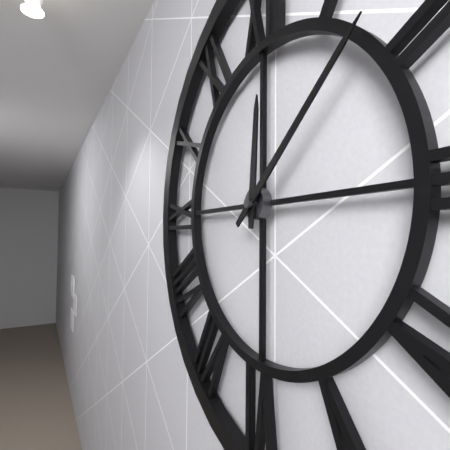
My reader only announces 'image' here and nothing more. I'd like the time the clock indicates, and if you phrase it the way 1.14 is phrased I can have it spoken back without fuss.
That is 12.08
